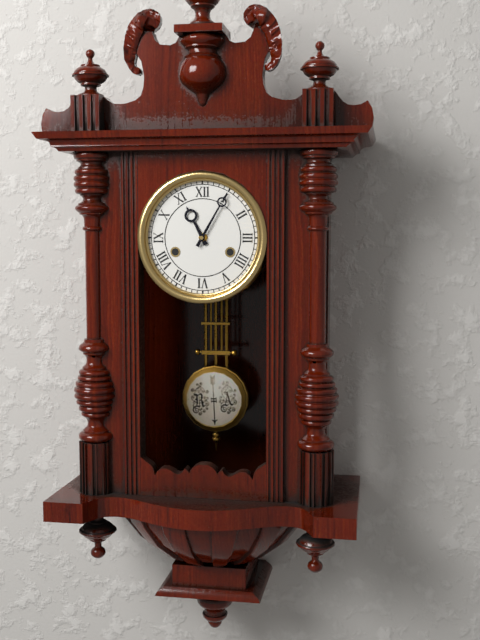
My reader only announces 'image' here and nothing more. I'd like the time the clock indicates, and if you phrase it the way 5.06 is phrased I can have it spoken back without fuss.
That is 11.05
